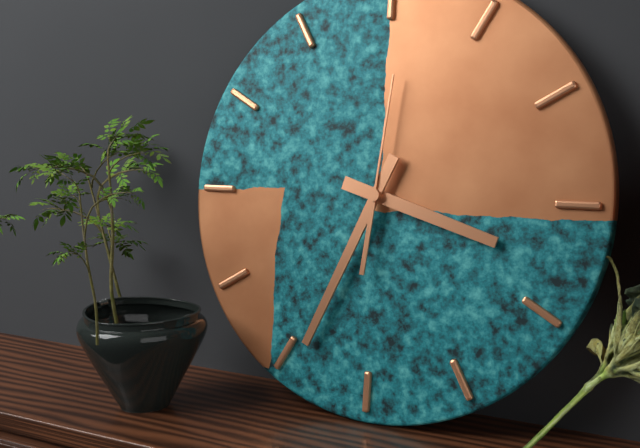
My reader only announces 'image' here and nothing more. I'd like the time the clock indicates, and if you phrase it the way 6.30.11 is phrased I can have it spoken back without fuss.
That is 3.34.01
